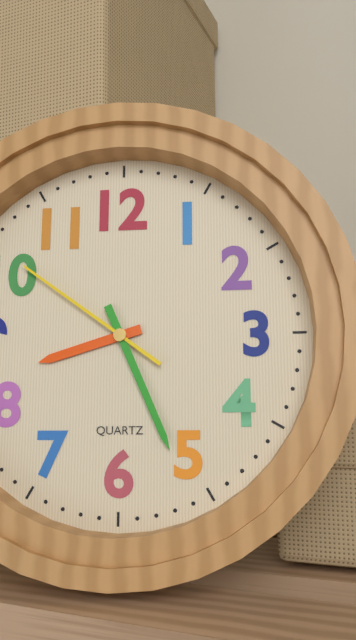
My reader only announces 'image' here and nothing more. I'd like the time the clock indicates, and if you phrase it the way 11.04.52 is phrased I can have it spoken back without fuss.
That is 8.26.51
